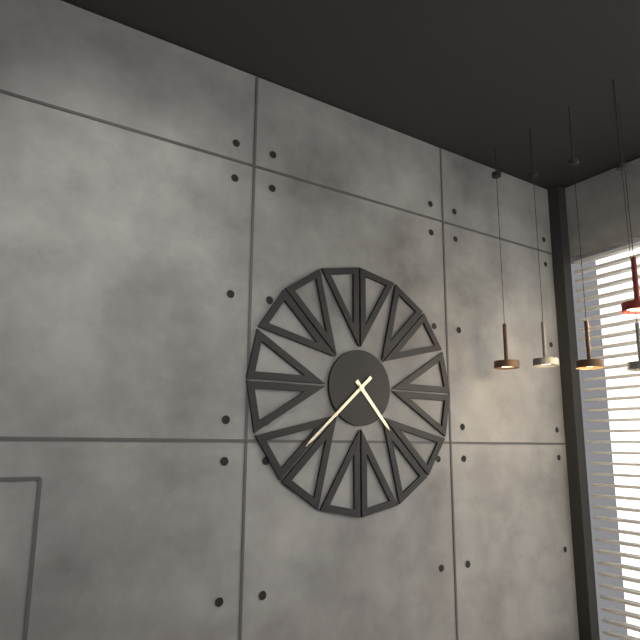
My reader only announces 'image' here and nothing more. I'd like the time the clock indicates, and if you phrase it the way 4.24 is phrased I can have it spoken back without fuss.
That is 4.38
